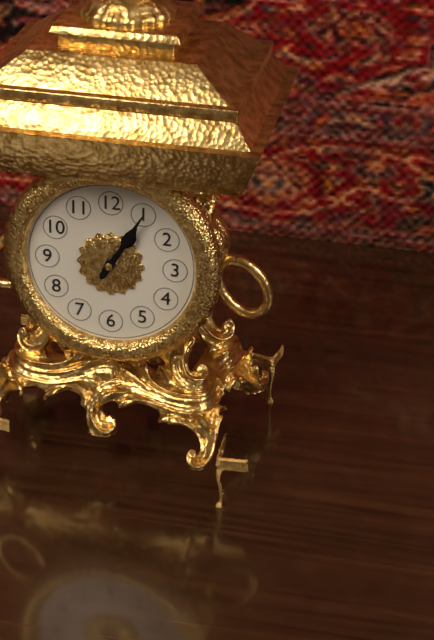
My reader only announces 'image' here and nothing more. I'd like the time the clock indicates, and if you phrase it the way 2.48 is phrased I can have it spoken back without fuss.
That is 1.05
